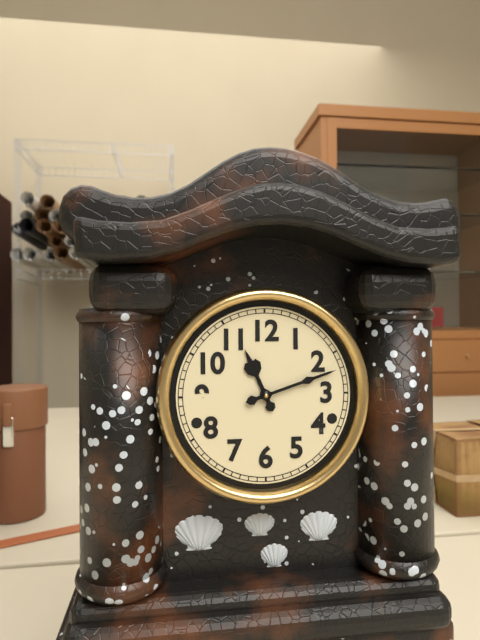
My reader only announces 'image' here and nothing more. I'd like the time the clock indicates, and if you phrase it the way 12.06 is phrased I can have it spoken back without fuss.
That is 11.12
